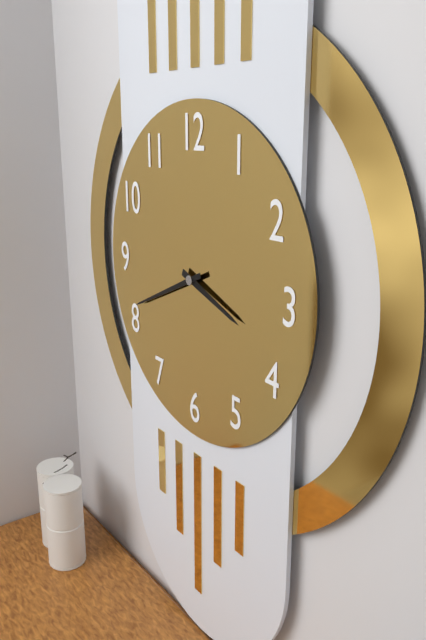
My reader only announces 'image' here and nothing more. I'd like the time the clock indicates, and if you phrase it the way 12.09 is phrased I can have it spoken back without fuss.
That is 3.41
